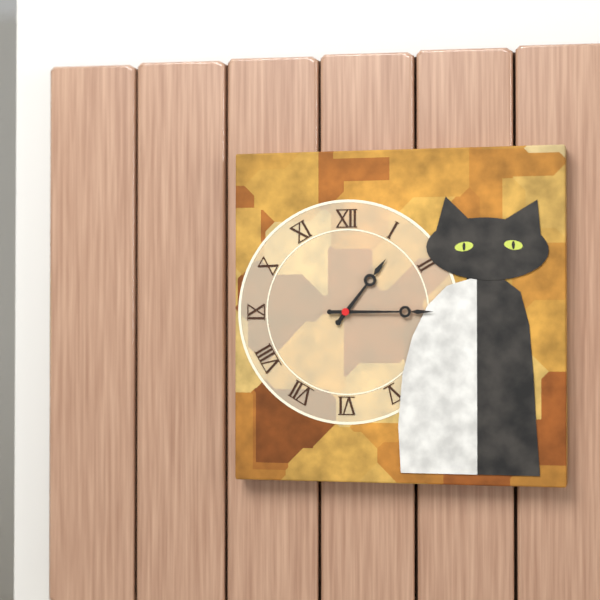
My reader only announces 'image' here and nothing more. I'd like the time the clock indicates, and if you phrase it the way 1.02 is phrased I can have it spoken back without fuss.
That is 1.15
